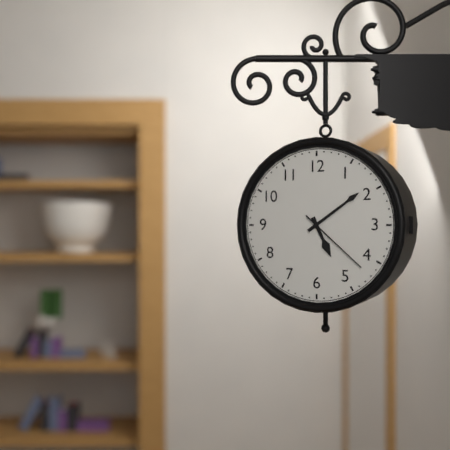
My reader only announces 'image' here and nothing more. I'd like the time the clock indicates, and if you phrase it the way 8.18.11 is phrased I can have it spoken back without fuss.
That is 5.09.22
